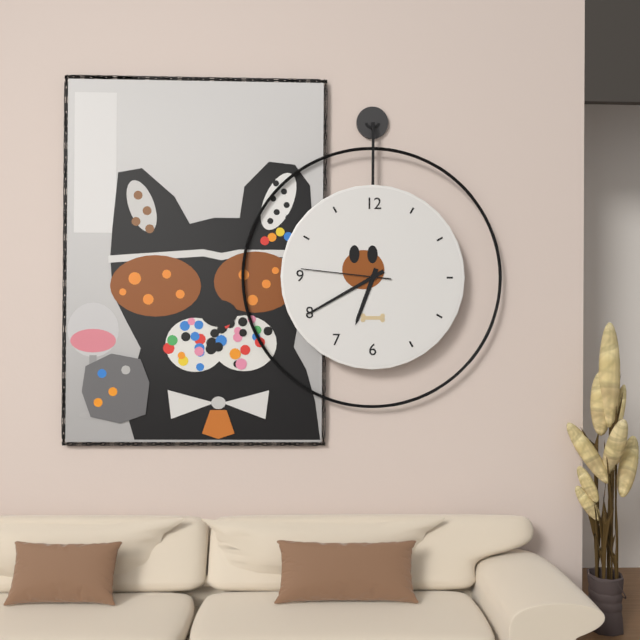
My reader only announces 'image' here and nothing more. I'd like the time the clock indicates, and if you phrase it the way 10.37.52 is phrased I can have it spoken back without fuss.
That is 6.40.46
